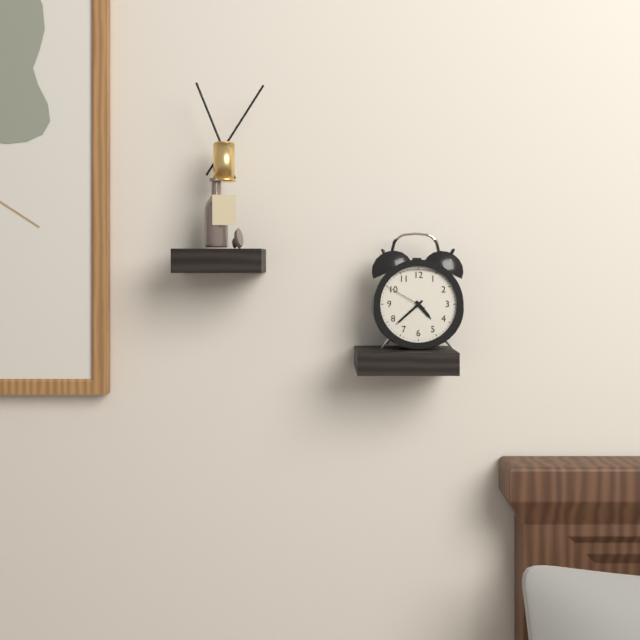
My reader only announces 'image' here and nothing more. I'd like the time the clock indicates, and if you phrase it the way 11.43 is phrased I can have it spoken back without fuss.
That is 4.38
